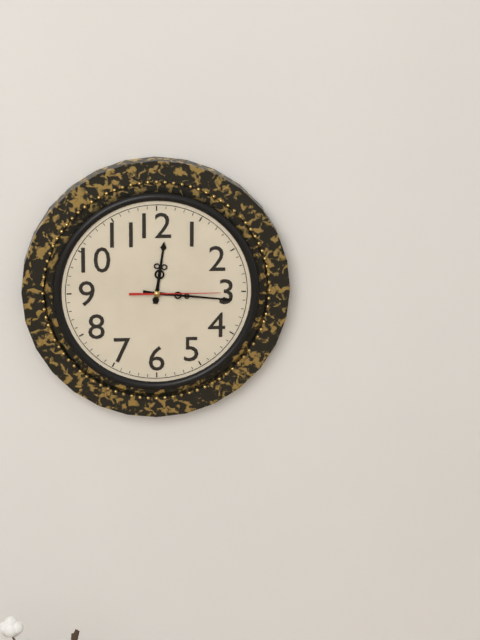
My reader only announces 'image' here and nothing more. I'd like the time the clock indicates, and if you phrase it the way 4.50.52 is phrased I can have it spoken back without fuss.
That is 12.16.15
